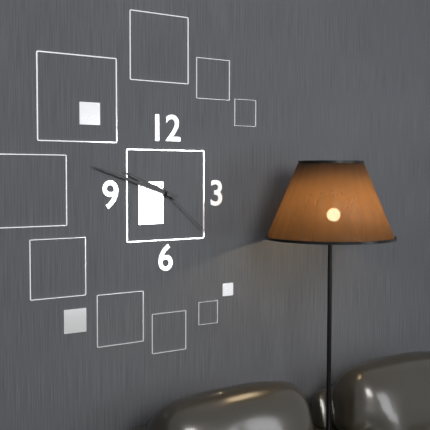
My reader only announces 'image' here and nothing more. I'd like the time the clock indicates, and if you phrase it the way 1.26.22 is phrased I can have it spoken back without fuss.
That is 9.48.22
